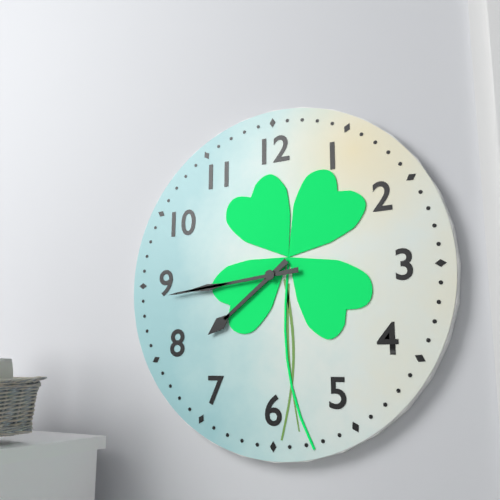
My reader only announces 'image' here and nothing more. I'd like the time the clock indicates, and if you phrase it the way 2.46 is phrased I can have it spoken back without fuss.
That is 7.44
